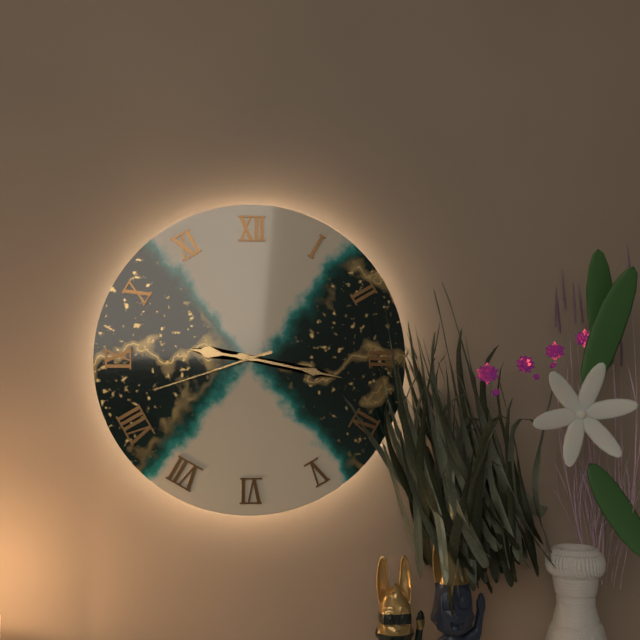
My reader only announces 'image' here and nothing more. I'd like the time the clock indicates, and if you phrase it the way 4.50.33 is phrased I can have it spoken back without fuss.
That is 9.17.42
